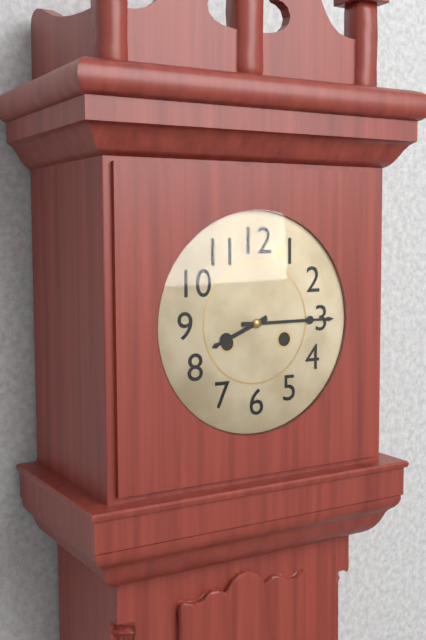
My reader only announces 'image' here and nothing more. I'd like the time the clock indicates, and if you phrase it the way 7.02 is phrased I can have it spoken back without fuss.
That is 8.15
